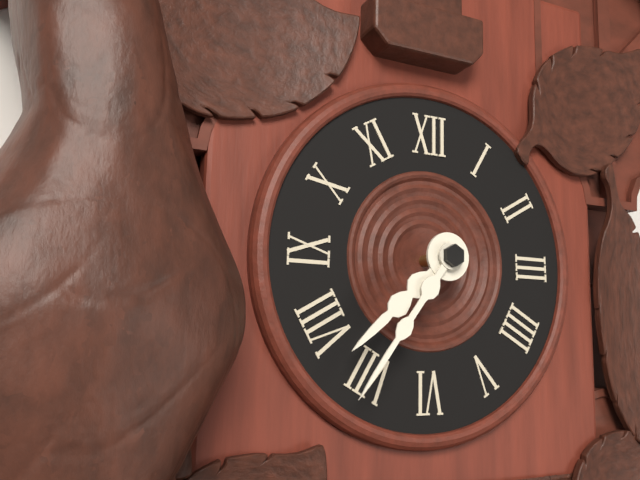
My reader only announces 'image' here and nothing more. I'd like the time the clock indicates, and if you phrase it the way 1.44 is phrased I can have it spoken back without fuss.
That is 7.36
